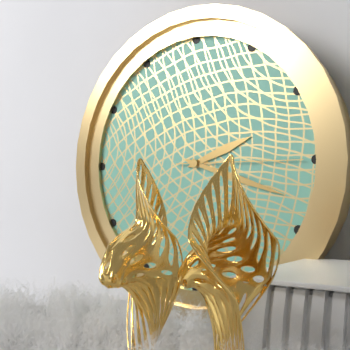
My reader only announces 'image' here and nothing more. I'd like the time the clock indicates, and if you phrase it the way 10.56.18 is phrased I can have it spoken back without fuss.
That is 2.18.15
